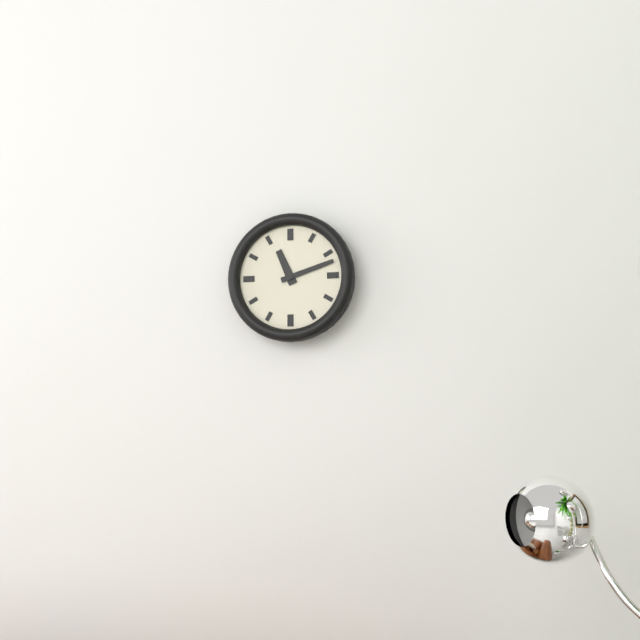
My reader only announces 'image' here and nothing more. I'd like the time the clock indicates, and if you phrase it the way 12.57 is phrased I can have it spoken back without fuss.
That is 11.12
